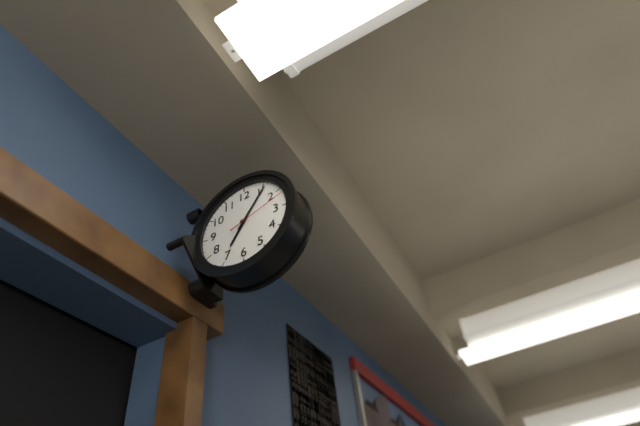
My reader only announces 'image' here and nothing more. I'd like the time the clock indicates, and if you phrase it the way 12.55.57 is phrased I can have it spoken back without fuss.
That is 7.06.12
